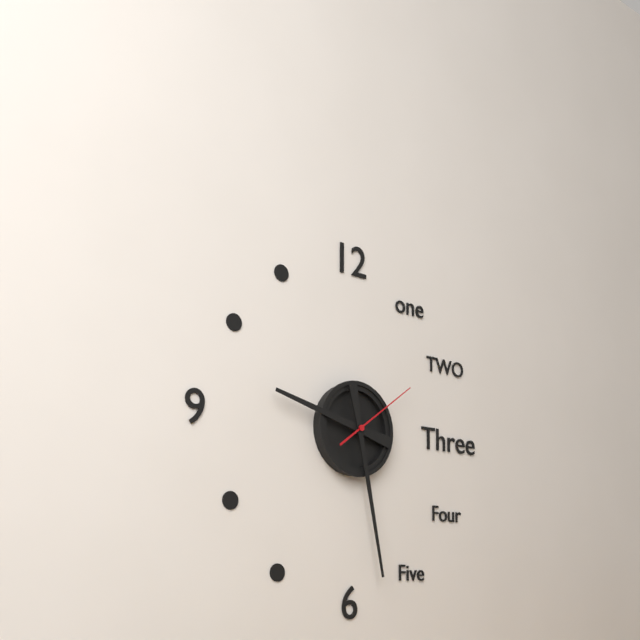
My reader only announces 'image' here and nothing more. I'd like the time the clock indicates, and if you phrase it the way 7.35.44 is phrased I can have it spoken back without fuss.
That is 9.28.09
